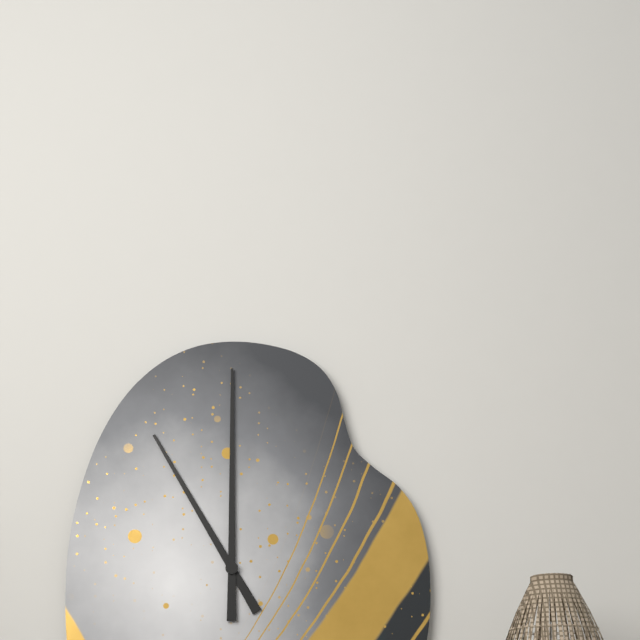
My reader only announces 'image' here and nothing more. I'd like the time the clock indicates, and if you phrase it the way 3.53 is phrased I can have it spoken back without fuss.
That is 11.00
